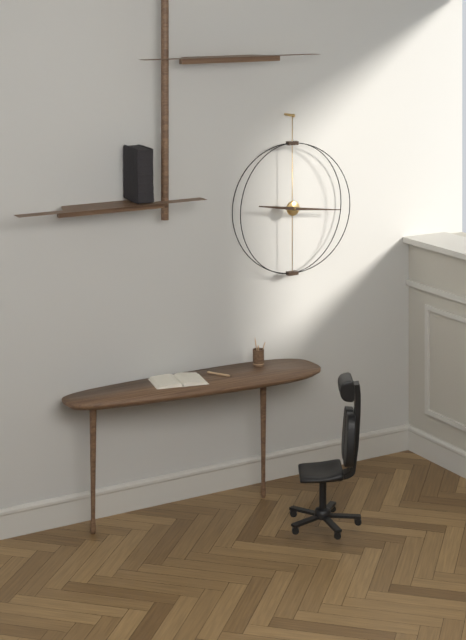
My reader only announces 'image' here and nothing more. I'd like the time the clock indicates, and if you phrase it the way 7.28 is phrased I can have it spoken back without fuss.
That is 9.16
